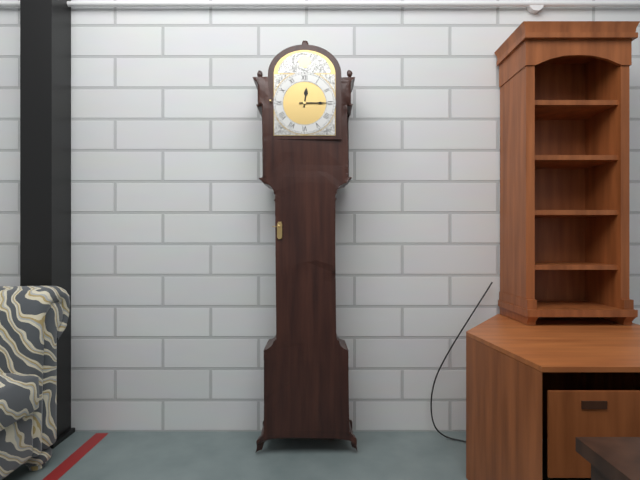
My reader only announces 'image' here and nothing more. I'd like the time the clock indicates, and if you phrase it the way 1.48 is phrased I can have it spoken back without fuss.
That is 12.15
